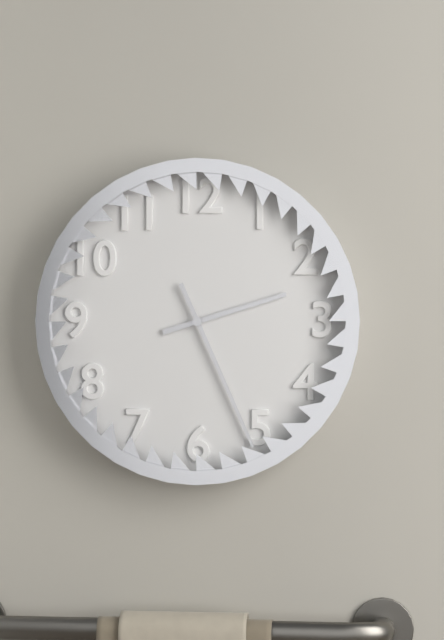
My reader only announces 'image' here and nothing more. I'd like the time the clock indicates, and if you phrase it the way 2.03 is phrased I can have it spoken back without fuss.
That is 2.26
